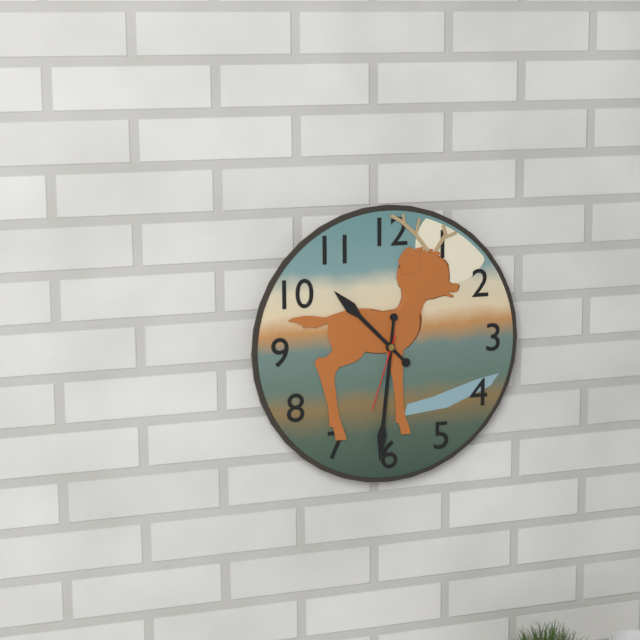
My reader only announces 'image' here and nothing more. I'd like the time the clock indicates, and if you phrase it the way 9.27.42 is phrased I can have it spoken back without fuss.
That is 10.31.33
